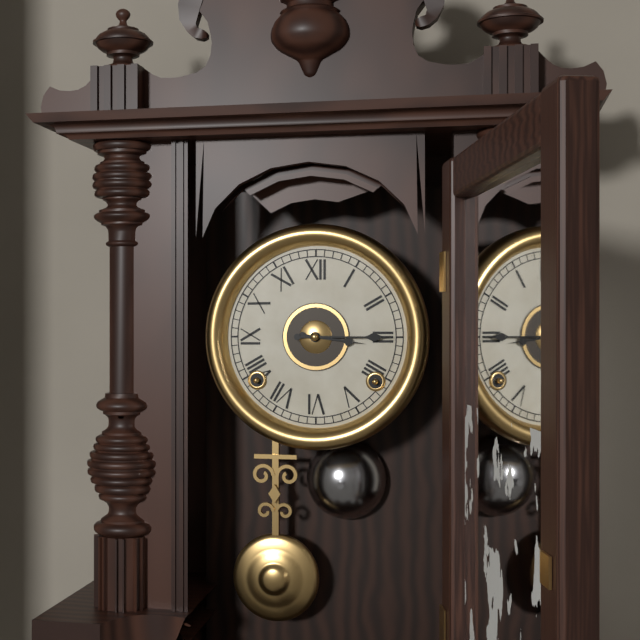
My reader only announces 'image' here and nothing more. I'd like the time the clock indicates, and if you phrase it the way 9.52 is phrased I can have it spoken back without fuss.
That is 3.15
